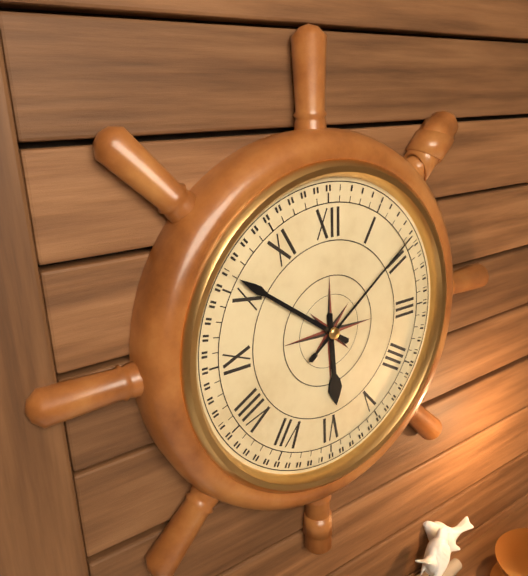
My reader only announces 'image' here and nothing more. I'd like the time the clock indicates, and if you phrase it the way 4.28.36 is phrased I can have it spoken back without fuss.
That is 5.51.09
